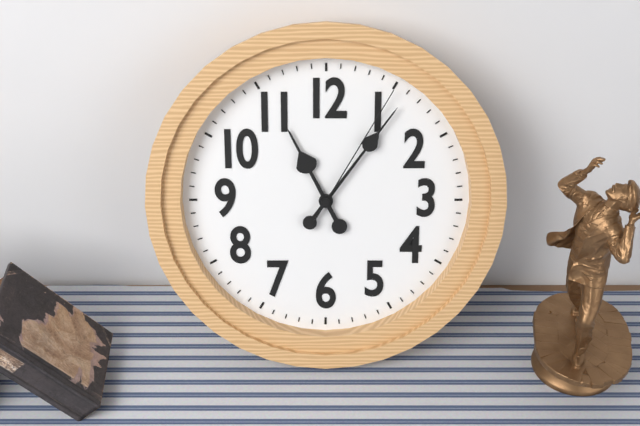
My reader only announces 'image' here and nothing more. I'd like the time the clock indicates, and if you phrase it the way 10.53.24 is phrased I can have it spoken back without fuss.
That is 11.06.05
